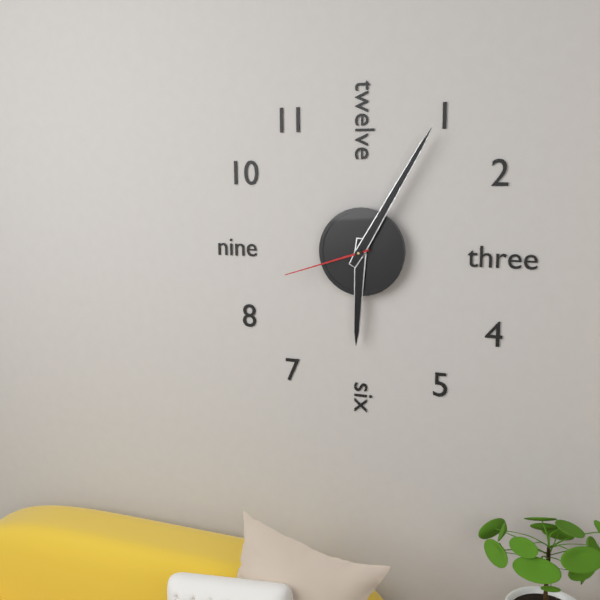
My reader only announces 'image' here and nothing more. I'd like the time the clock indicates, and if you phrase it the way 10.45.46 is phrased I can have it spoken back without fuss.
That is 6.05.42
